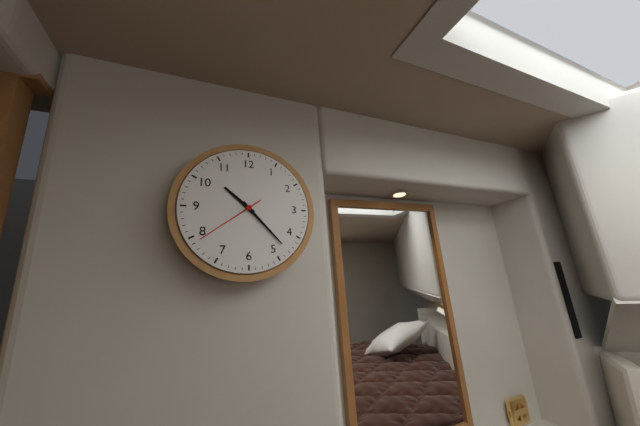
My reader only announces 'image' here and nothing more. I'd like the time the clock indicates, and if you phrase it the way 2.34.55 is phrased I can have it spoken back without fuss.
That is 10.23.39
